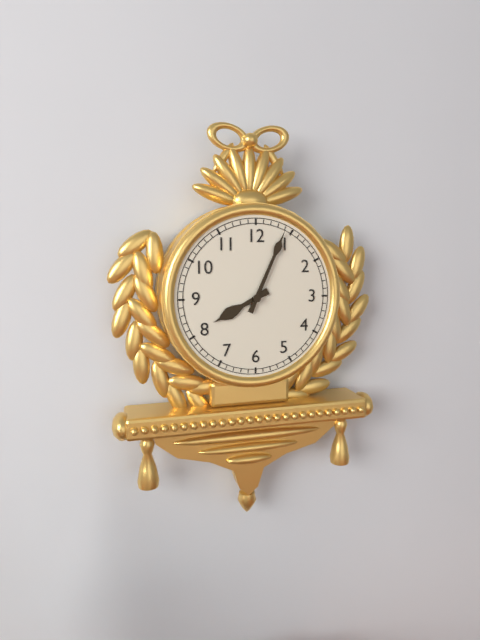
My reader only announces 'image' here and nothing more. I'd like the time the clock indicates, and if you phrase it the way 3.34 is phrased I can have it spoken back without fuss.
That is 8.04
